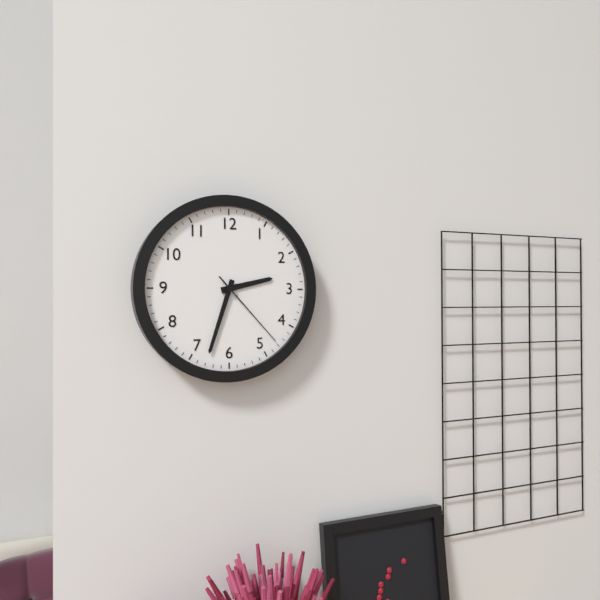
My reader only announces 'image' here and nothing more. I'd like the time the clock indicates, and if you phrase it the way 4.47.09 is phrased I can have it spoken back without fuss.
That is 2.33.23
